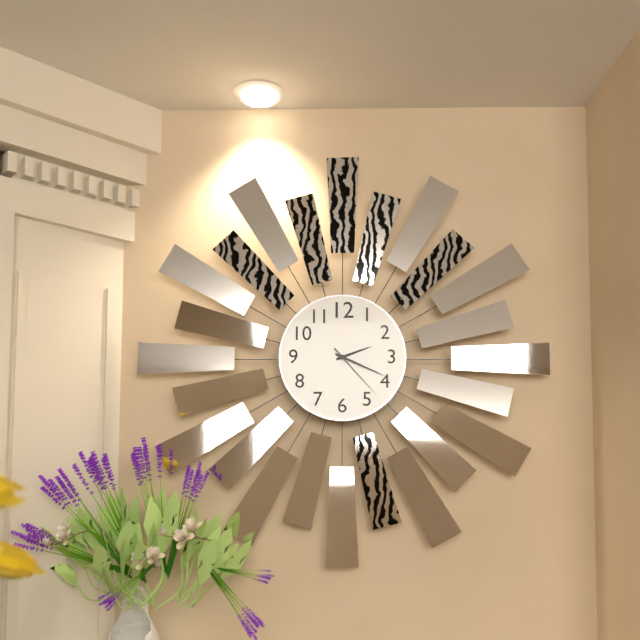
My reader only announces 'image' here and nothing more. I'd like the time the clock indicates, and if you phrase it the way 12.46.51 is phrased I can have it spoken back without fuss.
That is 2.19.23
